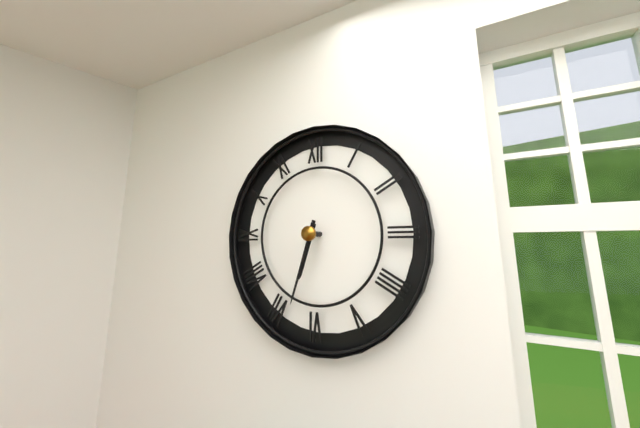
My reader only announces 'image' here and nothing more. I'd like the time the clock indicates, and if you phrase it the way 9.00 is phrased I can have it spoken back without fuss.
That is 6.33
